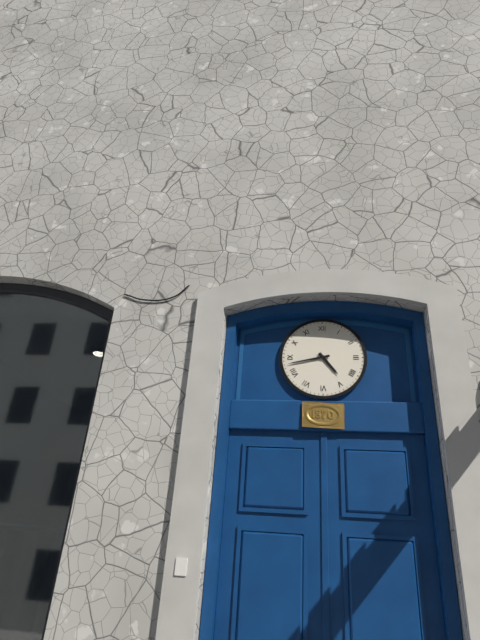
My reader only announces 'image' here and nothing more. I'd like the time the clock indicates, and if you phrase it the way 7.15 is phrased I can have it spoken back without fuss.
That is 4.43
